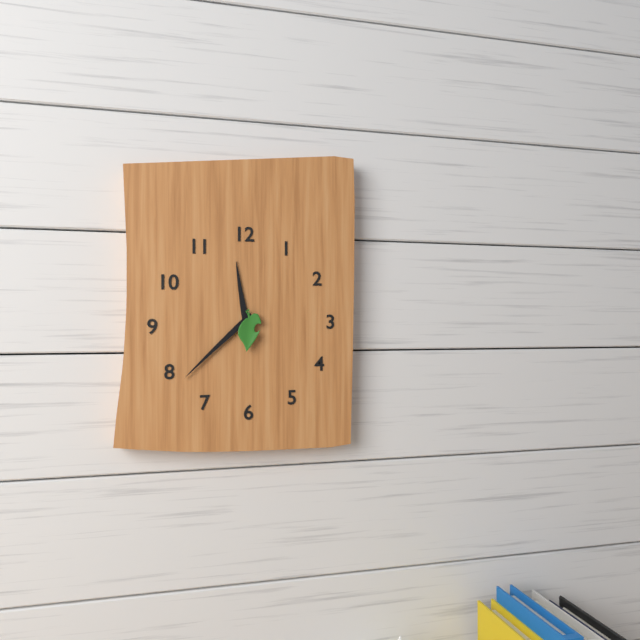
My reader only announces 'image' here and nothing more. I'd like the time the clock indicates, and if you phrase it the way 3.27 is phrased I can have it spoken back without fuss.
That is 11.38
